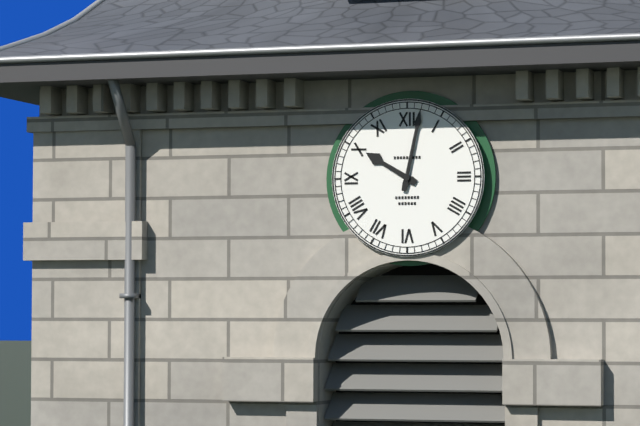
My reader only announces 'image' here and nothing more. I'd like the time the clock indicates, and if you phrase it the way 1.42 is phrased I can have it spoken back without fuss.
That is 10.02
